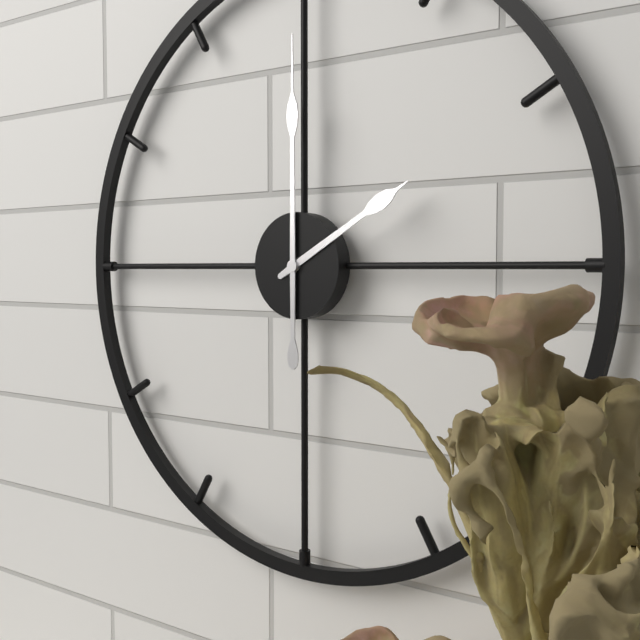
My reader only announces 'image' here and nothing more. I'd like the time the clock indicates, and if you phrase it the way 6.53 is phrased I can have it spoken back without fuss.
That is 2.00
